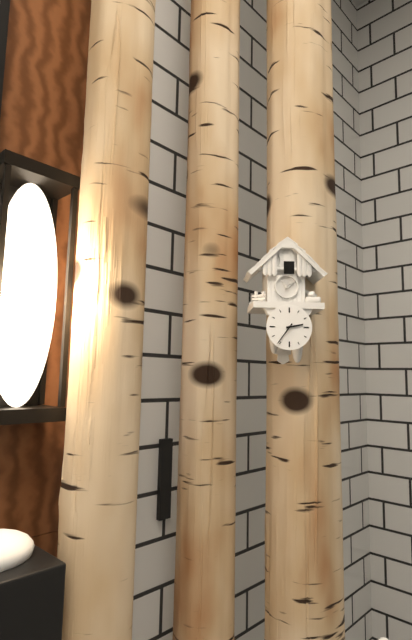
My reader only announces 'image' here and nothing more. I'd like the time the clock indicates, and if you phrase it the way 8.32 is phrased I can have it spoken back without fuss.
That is 2.36
